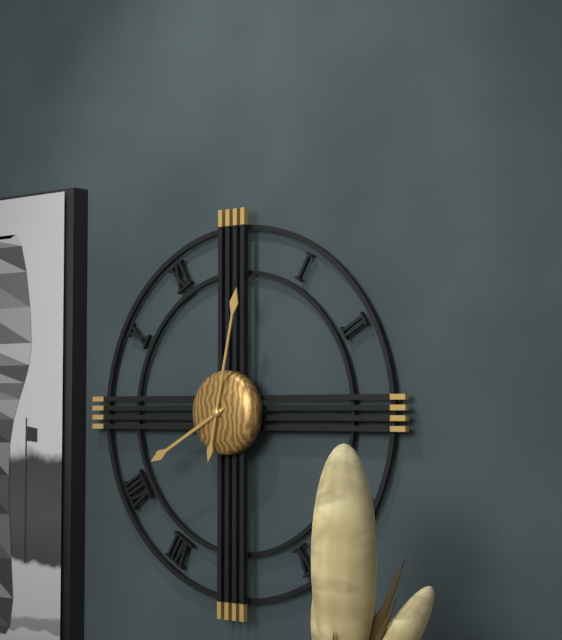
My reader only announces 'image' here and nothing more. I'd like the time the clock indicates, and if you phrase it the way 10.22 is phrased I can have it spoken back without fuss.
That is 8.02
